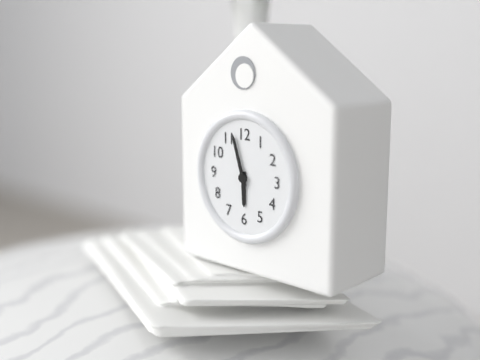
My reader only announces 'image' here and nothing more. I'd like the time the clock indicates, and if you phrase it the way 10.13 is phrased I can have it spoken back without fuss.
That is 5.57
